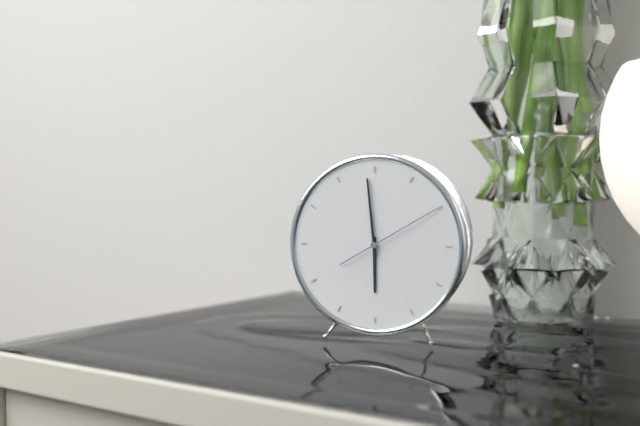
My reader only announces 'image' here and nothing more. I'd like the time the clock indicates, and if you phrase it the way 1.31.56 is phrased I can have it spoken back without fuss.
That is 5.59.10
